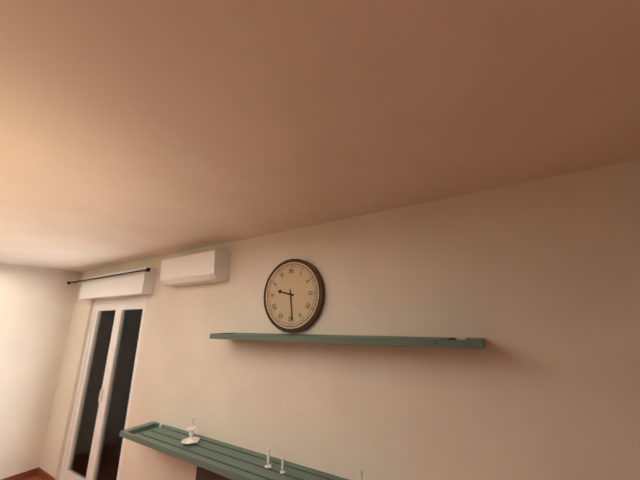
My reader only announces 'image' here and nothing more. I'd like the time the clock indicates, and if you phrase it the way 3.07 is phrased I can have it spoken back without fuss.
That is 9.29
